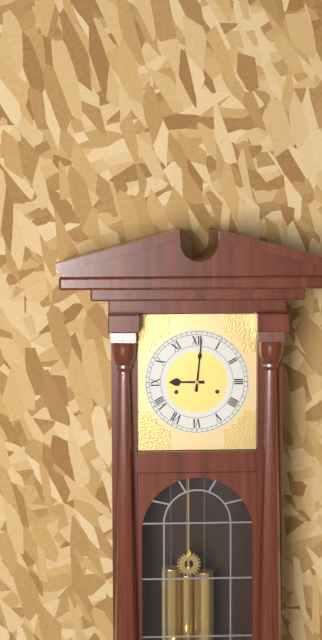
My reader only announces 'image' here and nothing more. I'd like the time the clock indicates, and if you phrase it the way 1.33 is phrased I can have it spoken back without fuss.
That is 9.01
